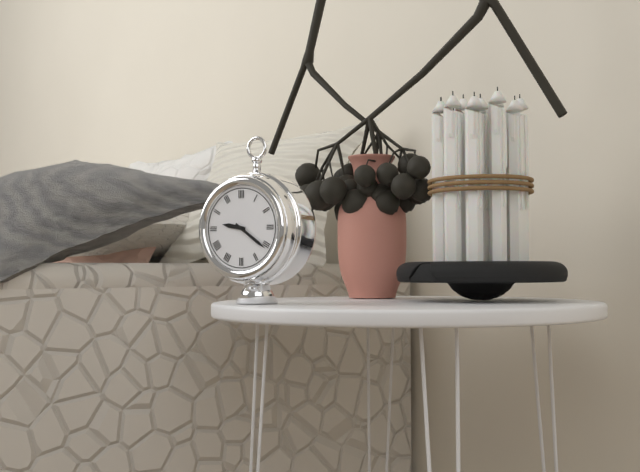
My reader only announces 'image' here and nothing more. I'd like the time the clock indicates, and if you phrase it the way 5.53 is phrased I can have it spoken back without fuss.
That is 9.21
